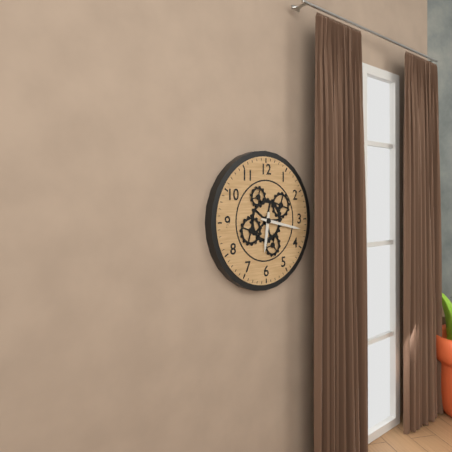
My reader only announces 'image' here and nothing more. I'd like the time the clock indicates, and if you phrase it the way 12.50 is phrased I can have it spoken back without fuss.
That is 6.17
